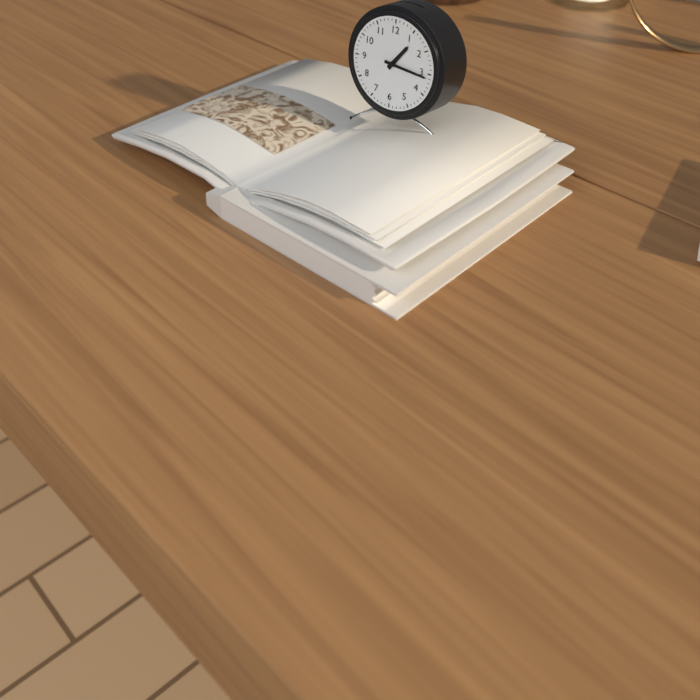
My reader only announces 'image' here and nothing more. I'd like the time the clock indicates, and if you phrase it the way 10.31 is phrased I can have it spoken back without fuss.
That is 1.16
